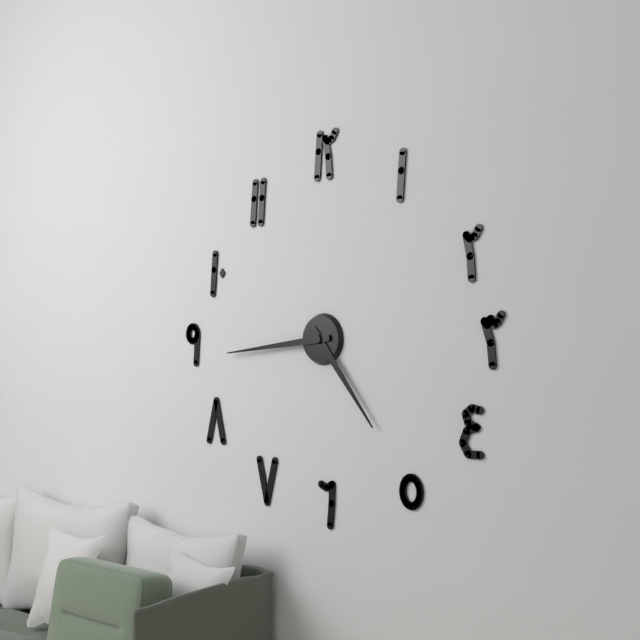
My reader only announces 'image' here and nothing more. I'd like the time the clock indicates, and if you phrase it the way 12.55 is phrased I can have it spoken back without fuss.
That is 4.44
